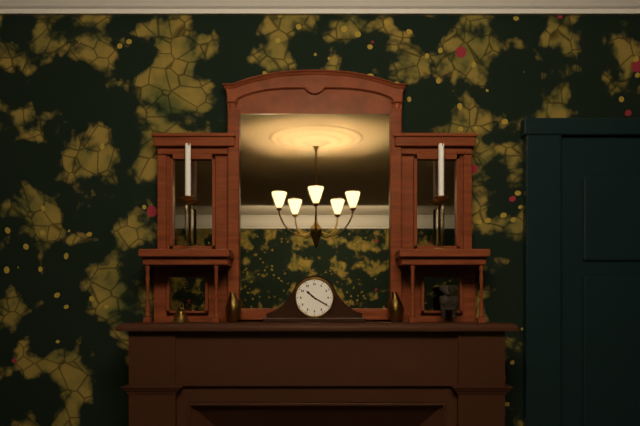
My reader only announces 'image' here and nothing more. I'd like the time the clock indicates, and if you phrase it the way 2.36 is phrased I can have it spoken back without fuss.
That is 10.20
